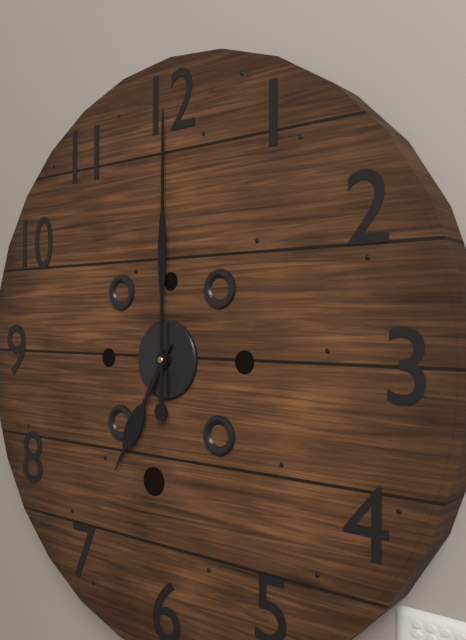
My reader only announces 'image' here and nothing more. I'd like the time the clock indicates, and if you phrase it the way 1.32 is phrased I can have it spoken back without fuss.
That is 7.00
